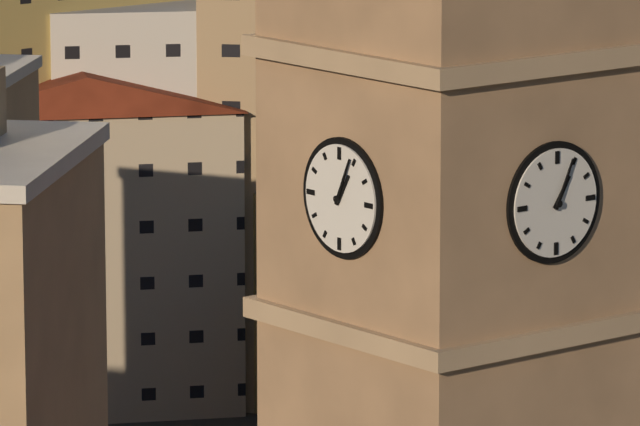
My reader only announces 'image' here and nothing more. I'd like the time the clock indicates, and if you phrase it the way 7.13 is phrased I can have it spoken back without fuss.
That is 1.04
